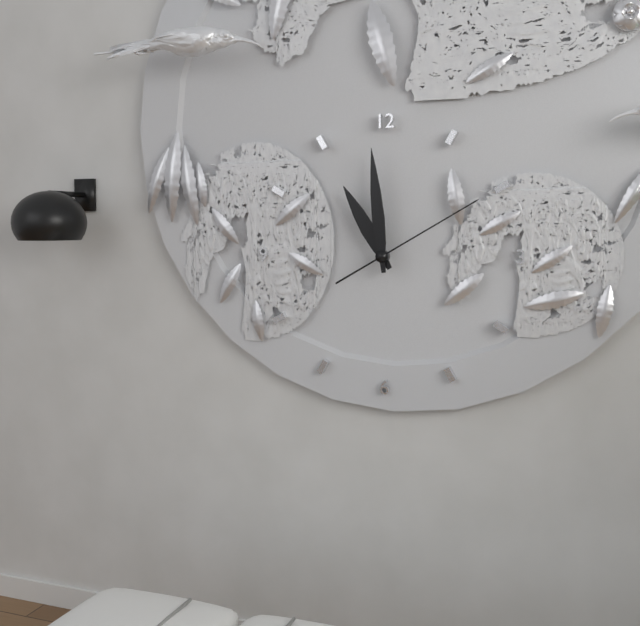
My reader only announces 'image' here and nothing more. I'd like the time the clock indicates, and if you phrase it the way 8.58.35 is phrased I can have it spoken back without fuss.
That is 10.59.10
